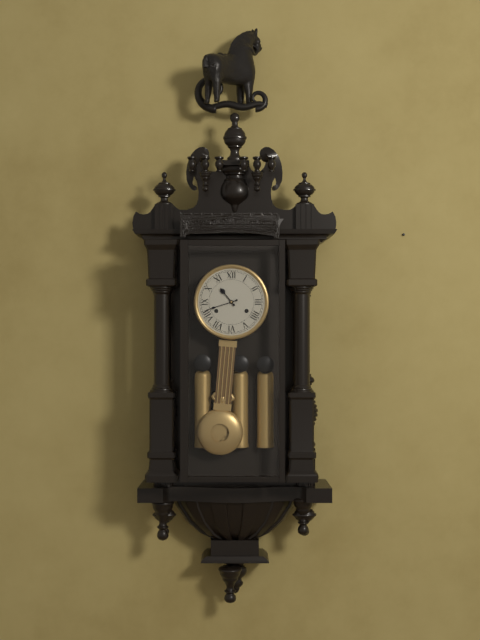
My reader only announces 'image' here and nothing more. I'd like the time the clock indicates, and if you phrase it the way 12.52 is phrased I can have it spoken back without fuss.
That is 10.42
